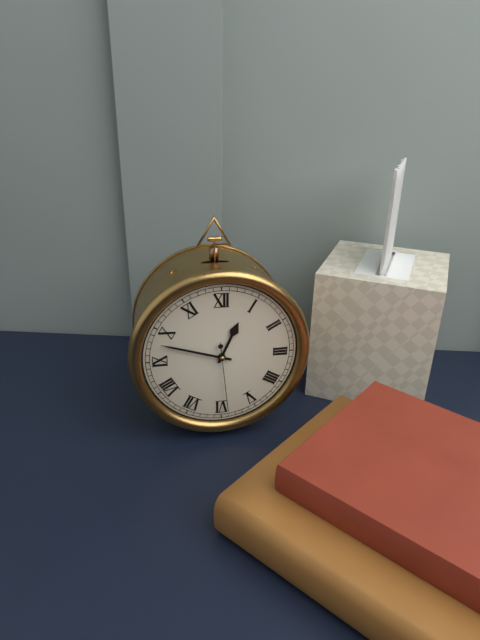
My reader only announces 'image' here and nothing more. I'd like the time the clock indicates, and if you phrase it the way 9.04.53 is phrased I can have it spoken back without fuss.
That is 12.48.29
